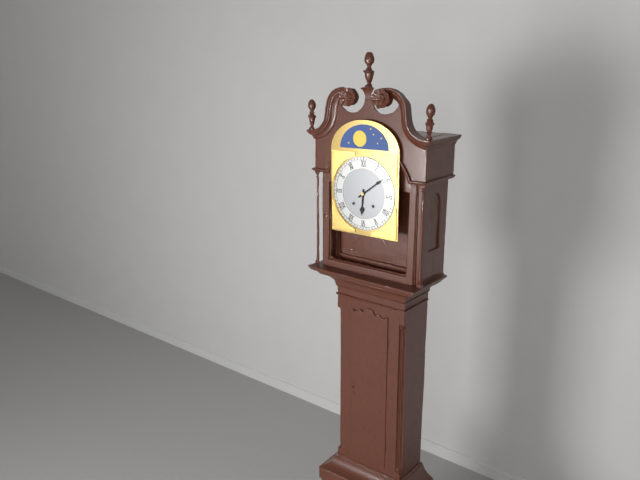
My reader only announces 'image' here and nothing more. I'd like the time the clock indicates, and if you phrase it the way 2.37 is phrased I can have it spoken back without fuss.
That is 6.09
